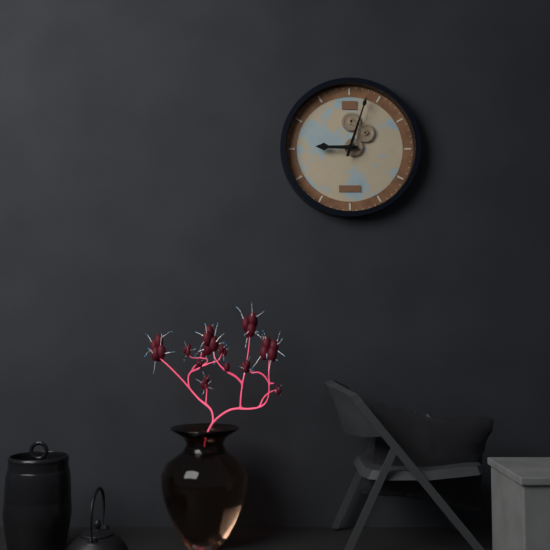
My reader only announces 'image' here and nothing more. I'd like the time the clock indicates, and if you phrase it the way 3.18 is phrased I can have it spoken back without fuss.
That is 9.03
